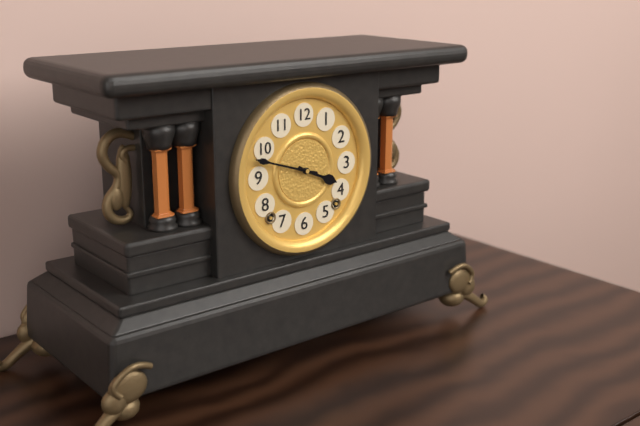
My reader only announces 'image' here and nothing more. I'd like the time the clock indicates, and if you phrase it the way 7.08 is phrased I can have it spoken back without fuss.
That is 3.48
